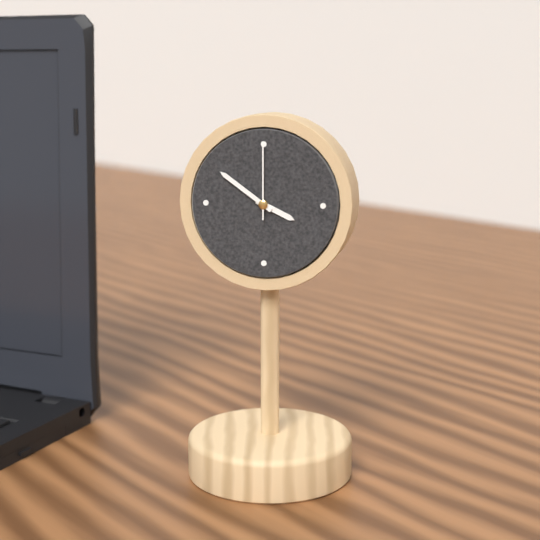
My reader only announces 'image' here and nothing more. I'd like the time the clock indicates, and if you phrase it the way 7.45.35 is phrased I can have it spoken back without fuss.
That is 3.51.00
